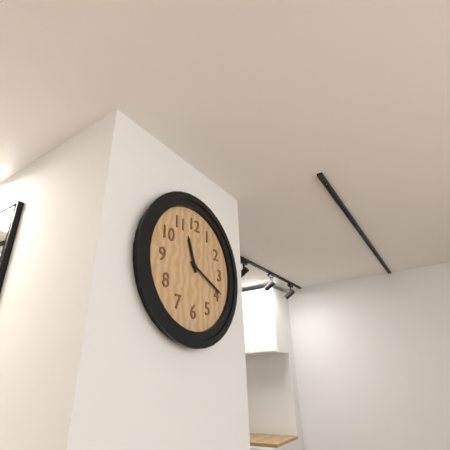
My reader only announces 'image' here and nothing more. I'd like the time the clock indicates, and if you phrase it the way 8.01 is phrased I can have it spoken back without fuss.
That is 11.19
